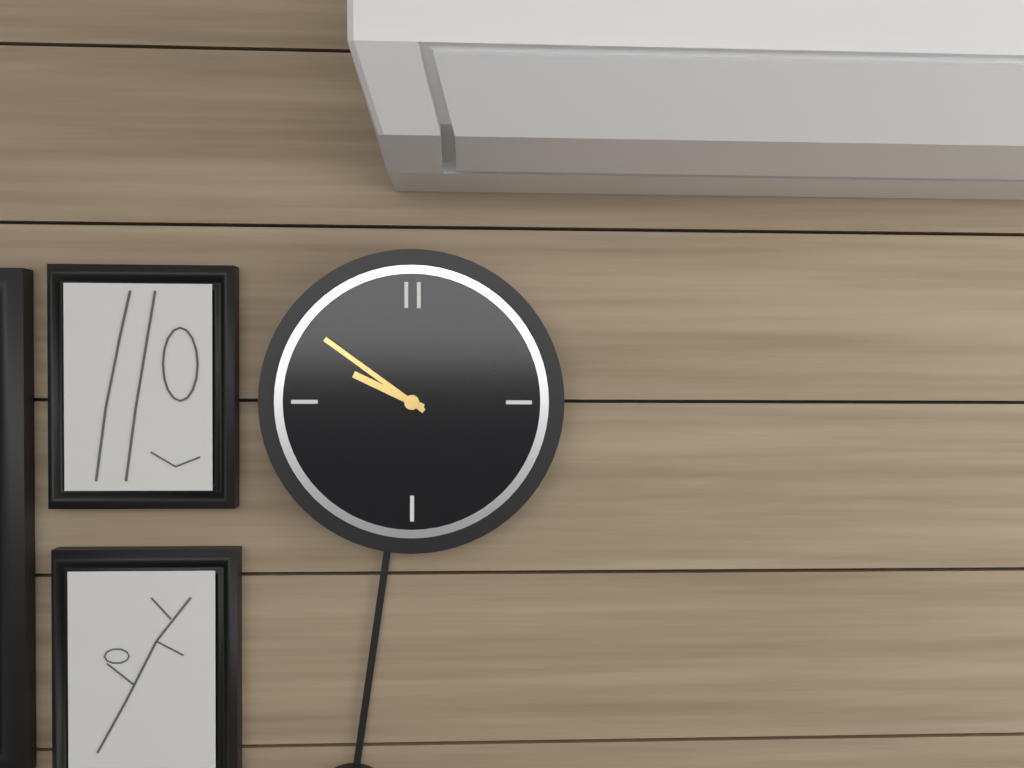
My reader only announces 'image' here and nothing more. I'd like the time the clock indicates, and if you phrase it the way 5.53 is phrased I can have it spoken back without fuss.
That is 9.51
